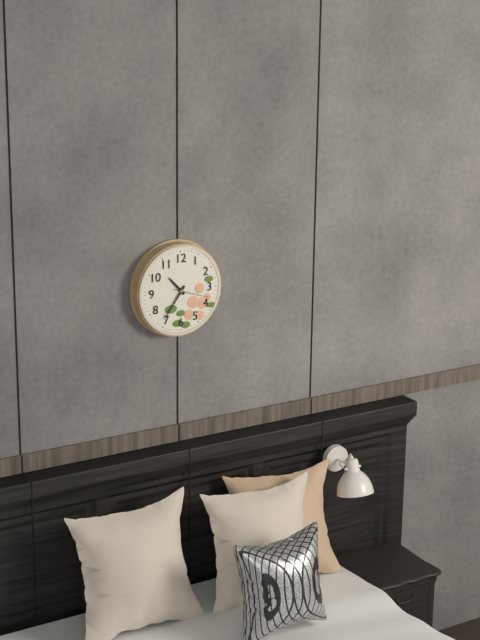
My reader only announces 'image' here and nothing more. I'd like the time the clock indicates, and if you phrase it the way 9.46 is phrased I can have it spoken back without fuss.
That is 10.36
